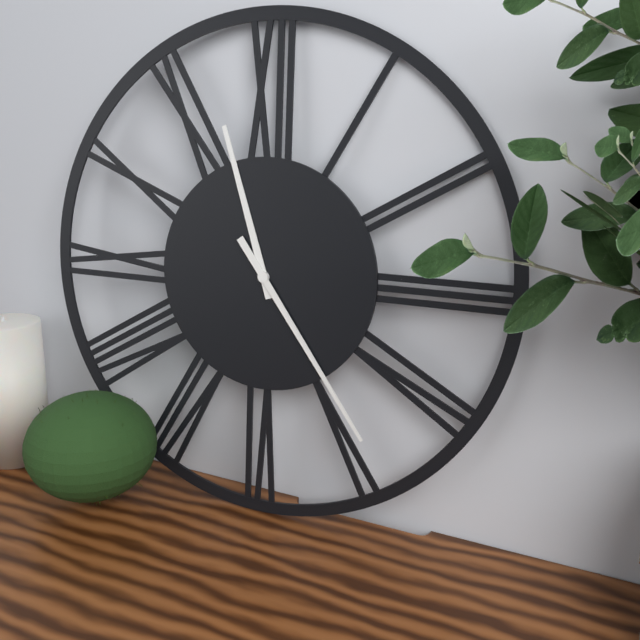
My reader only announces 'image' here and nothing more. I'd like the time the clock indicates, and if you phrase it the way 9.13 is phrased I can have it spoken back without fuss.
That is 11.24
